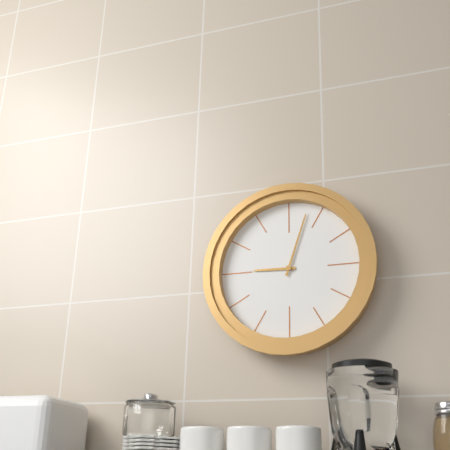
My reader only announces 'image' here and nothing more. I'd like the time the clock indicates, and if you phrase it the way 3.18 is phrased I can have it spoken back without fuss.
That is 9.03
